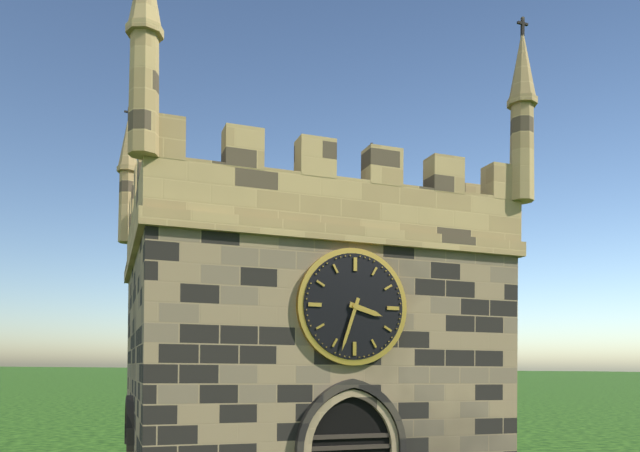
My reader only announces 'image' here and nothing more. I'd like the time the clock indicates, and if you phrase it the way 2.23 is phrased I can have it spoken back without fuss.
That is 3.33
